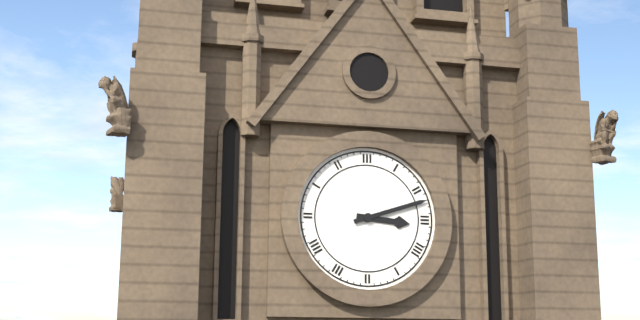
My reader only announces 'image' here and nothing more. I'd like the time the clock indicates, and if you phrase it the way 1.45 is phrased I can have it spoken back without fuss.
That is 3.12
